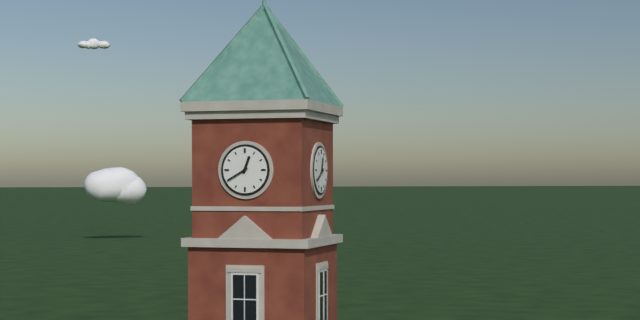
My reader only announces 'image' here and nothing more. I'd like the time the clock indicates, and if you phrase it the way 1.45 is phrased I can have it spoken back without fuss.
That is 12.40
